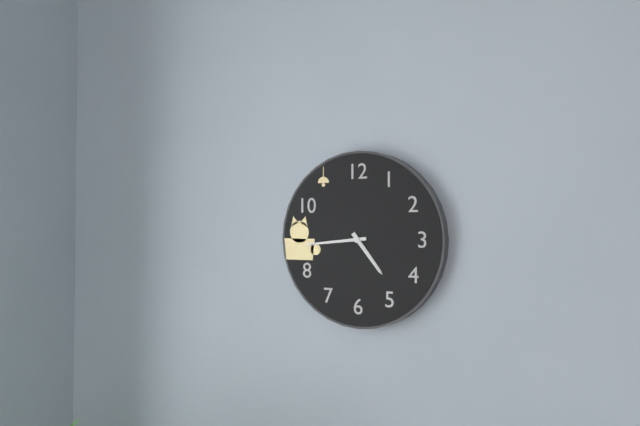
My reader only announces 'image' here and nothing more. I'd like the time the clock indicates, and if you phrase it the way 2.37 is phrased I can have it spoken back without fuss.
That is 4.44
